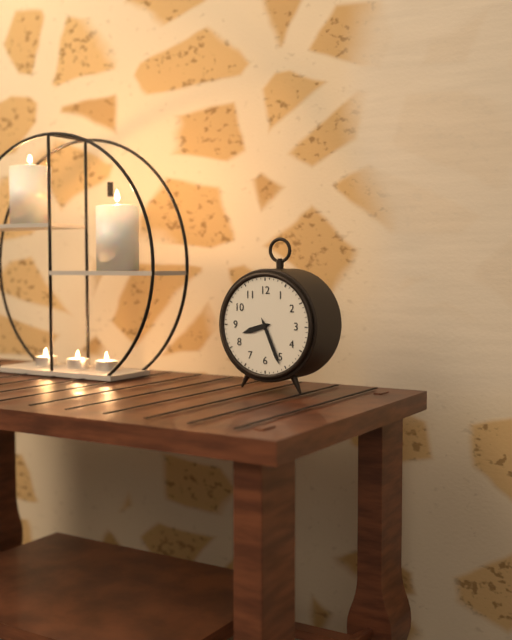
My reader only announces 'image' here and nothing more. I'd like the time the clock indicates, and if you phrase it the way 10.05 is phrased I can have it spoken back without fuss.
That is 8.26
